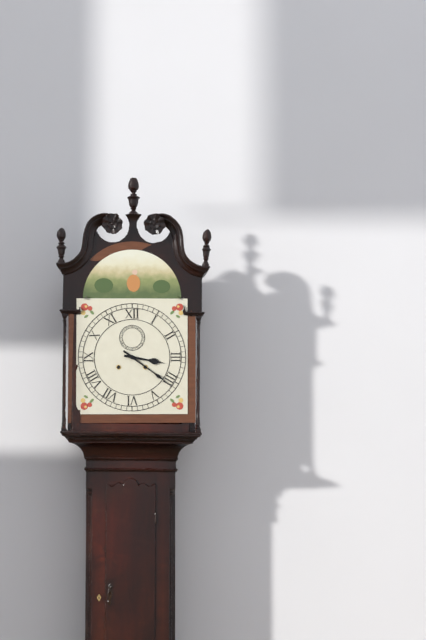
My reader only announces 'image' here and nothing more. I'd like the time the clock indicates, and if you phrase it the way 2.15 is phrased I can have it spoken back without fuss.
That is 3.21
